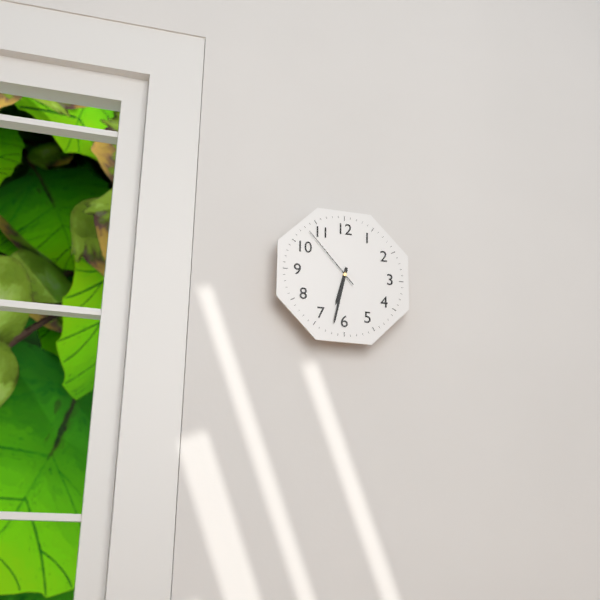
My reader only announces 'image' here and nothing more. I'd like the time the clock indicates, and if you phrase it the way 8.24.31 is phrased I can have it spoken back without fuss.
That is 6.32.53
